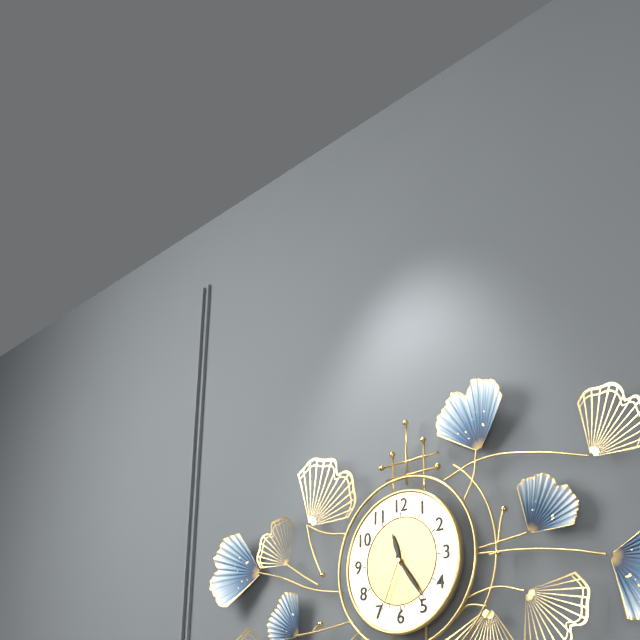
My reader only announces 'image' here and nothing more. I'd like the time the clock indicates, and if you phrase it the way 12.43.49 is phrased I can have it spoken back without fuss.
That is 11.24.34
